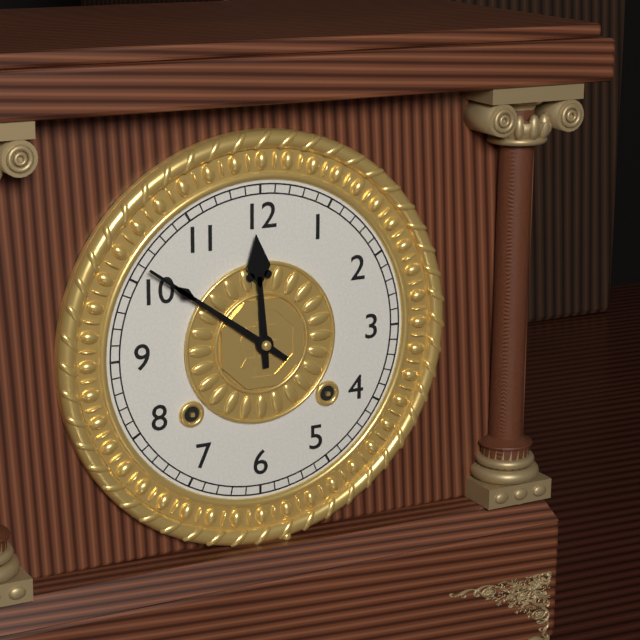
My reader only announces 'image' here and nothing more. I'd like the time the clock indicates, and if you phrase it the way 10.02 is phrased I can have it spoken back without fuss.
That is 11.51
